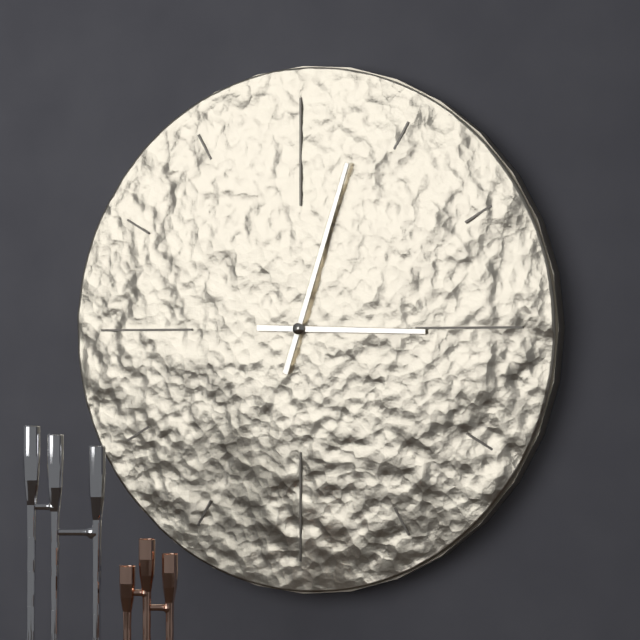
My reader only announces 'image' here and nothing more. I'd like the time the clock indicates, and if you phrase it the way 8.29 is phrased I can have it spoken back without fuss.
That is 3.03
